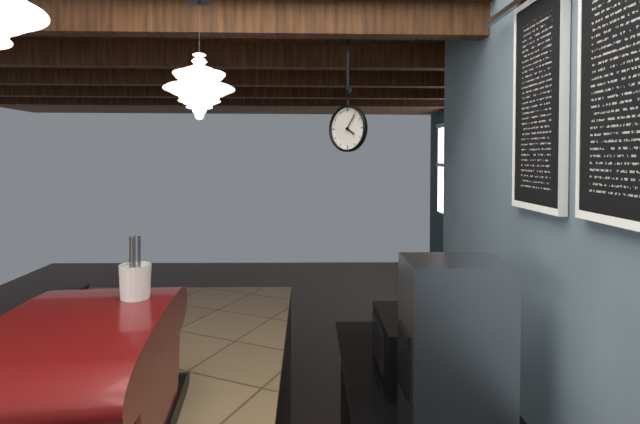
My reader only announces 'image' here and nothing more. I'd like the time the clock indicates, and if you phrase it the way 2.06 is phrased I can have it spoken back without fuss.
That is 4.06
